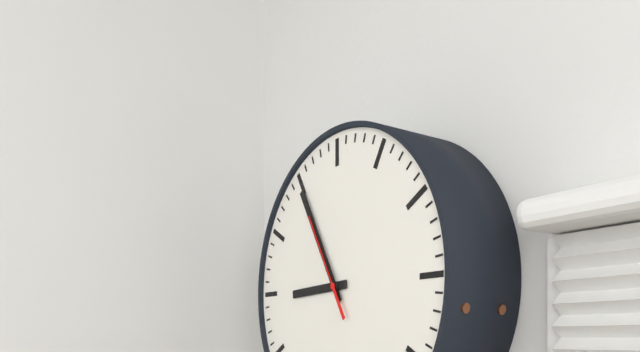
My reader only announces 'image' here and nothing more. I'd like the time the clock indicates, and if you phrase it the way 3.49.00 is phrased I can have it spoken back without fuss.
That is 8.55.55
